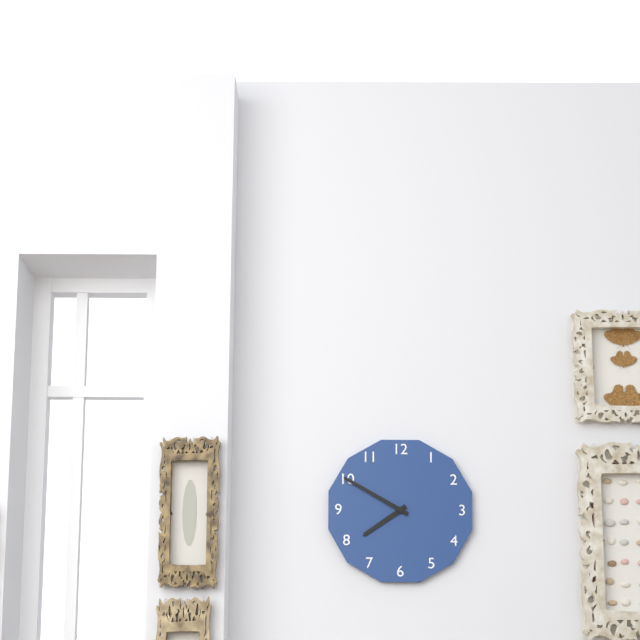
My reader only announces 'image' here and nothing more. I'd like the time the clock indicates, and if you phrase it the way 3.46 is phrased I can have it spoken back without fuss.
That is 7.50
